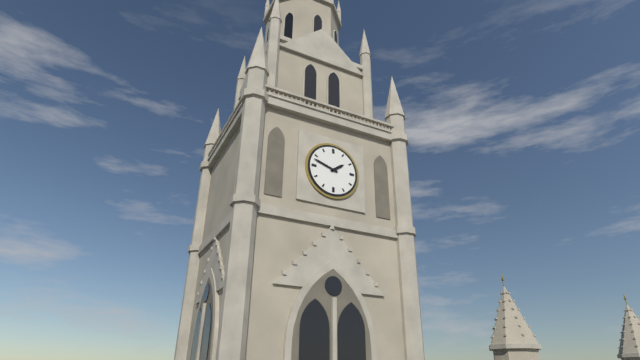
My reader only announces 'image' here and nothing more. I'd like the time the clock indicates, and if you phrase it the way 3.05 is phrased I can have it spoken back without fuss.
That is 1.48
